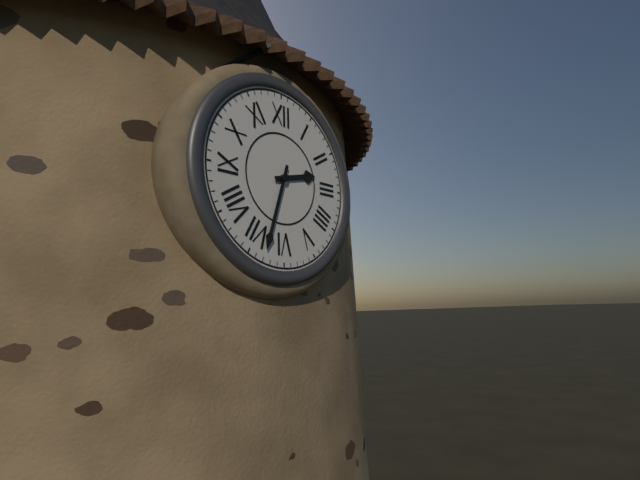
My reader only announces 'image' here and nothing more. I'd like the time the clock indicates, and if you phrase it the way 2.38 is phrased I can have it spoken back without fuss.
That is 2.33
